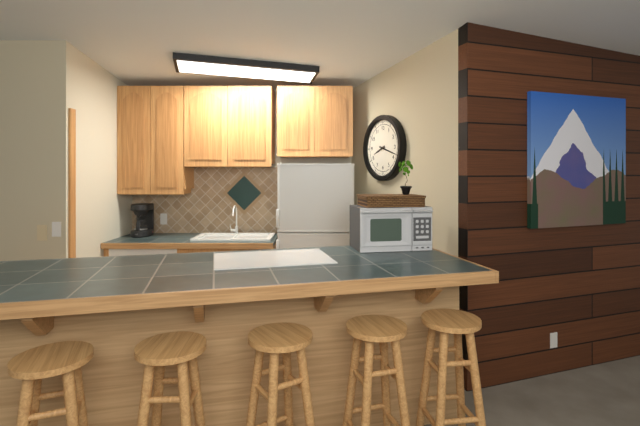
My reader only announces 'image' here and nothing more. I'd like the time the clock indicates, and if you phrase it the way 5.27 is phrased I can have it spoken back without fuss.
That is 8.18
